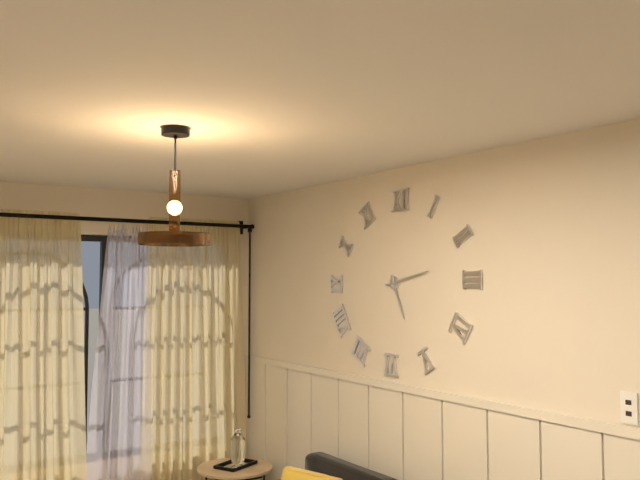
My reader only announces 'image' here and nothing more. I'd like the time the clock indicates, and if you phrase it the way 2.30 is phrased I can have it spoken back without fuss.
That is 5.13
